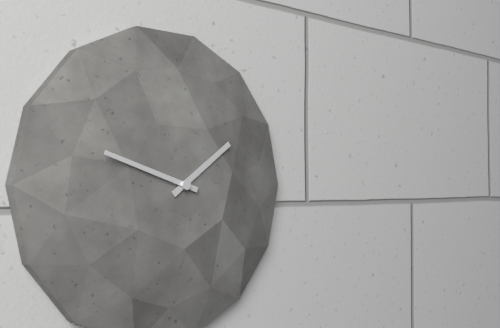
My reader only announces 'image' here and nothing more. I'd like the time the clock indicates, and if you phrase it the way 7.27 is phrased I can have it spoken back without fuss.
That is 1.48
